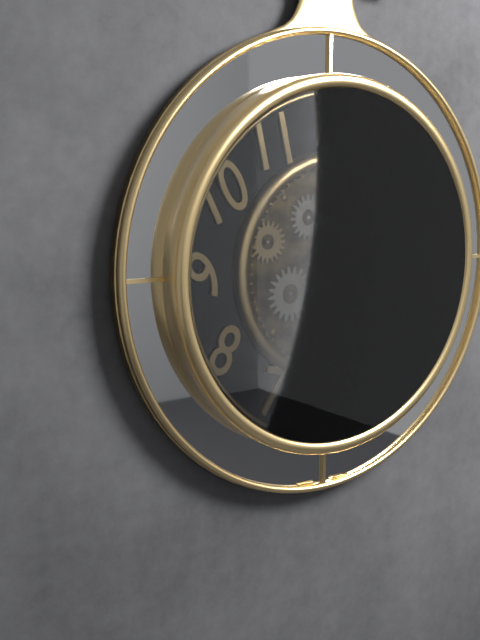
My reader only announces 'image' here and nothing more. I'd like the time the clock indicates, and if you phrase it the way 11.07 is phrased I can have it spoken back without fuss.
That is 6.11
